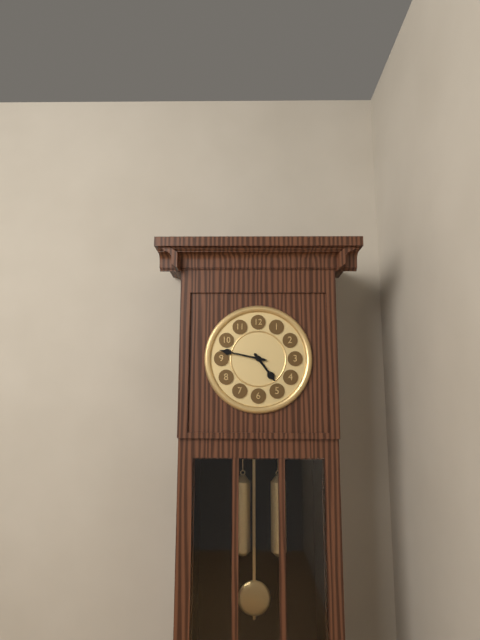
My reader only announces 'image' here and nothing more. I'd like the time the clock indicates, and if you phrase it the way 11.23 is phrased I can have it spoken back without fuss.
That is 4.47
